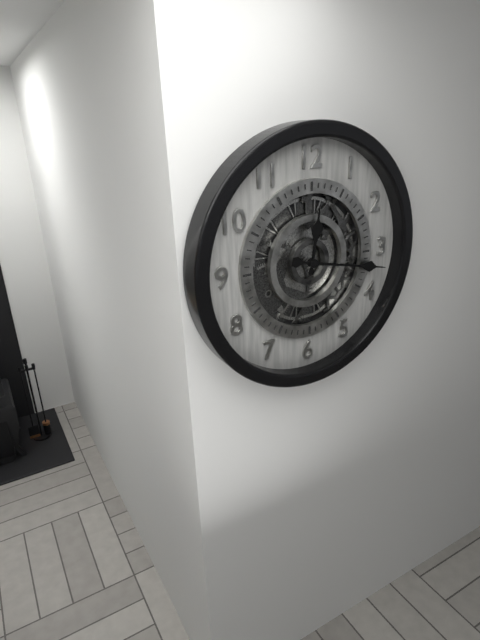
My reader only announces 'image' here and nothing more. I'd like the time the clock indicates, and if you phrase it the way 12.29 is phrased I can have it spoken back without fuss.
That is 12.17
